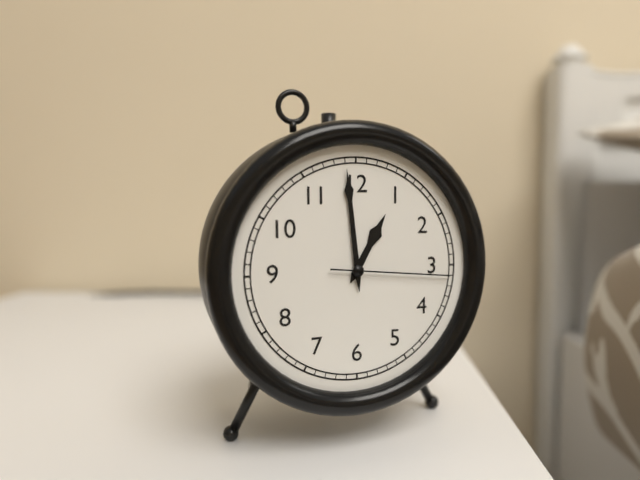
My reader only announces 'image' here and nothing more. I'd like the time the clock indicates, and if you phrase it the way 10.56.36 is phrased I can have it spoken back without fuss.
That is 12.59.16
